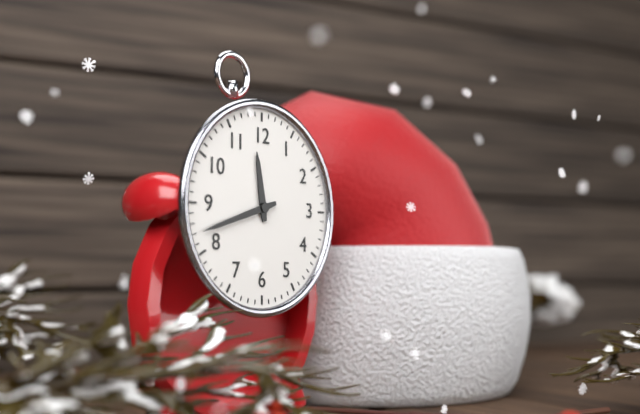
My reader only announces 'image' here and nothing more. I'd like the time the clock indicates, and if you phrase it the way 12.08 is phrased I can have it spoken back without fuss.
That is 11.42
